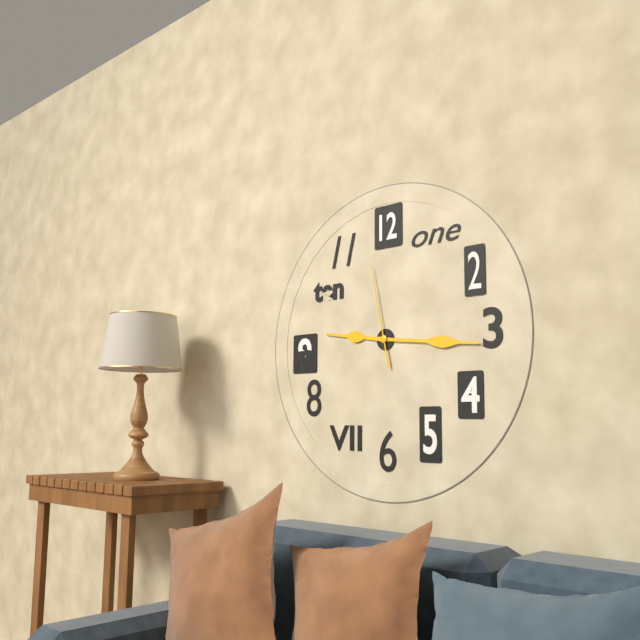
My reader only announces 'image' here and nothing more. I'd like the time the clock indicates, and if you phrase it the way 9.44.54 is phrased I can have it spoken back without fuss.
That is 9.16.58
